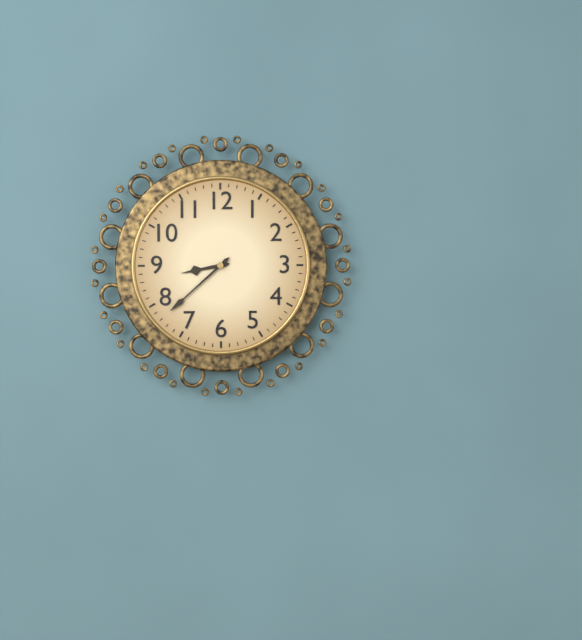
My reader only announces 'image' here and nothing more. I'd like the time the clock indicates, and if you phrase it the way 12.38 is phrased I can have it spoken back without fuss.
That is 8.38
